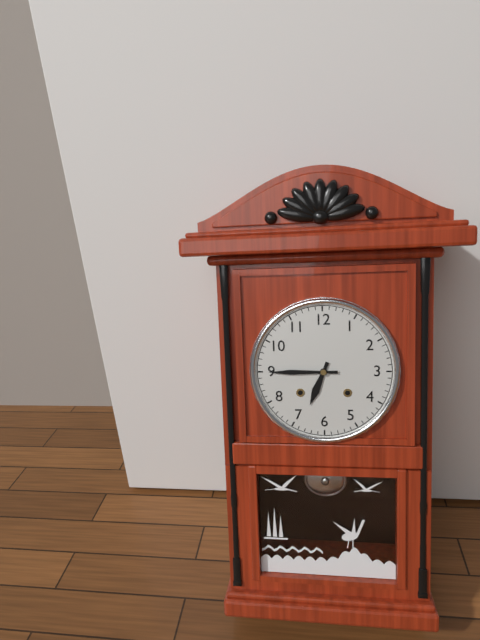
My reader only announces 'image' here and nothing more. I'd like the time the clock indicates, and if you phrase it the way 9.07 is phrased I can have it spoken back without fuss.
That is 6.45
